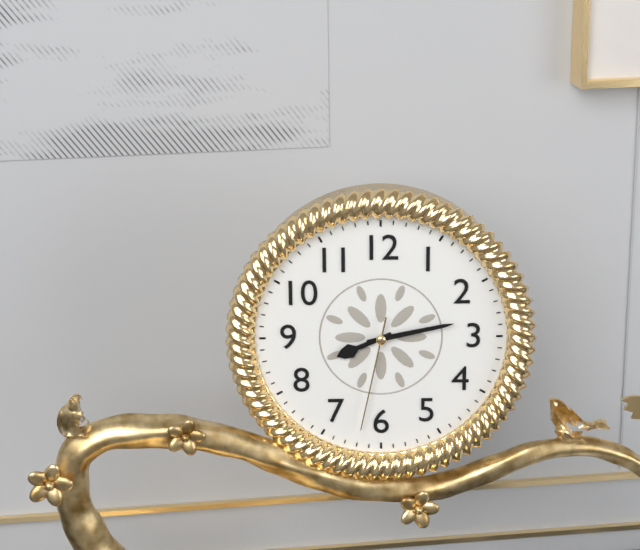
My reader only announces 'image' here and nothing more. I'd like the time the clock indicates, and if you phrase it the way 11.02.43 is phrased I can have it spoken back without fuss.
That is 8.13.32
